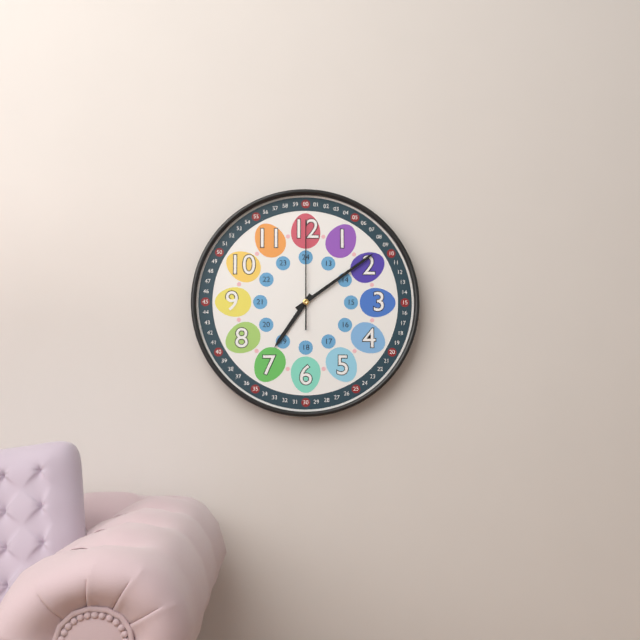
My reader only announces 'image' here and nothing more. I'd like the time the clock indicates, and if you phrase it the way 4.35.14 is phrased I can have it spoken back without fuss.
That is 7.09.00
